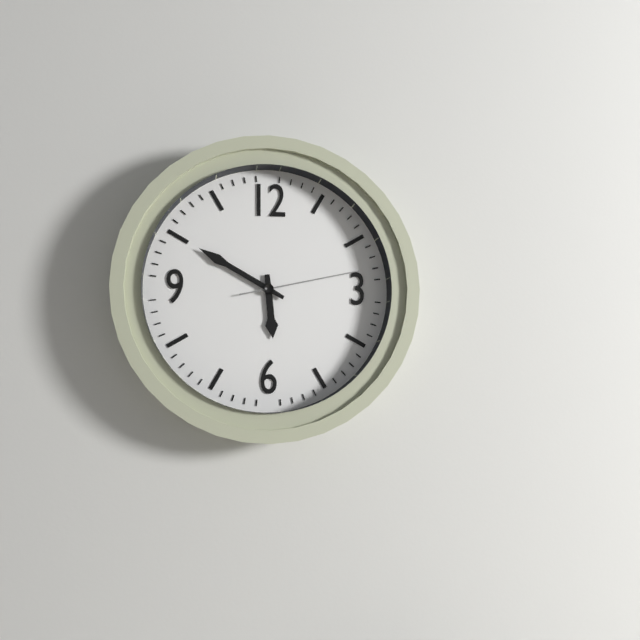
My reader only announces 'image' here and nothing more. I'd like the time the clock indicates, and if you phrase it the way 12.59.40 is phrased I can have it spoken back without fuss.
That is 5.50.13
